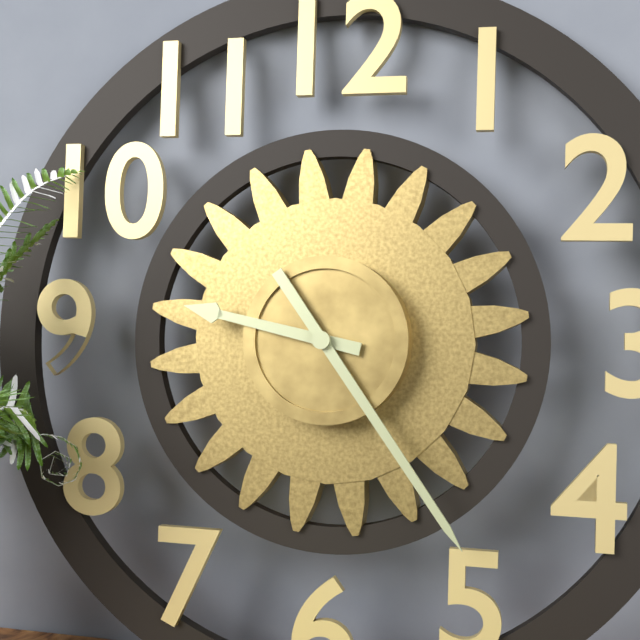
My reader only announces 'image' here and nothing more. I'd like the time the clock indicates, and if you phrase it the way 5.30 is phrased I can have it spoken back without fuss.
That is 9.24
